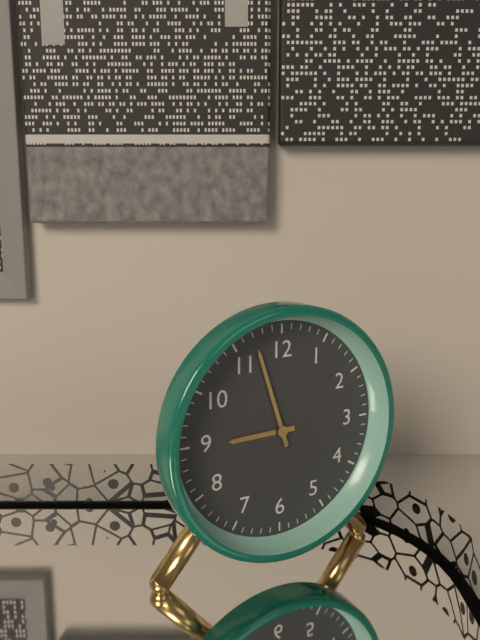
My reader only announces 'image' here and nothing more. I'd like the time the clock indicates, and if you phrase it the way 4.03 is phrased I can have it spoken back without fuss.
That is 8.57
